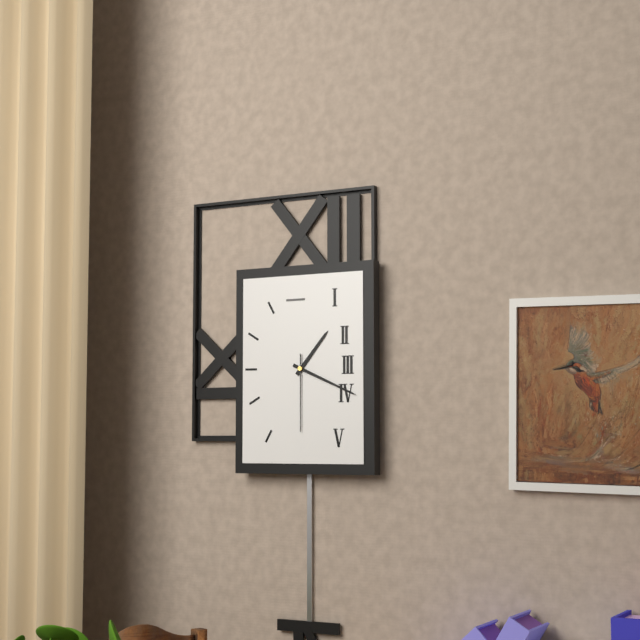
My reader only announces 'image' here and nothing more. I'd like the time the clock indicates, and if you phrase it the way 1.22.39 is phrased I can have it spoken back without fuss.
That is 1.19.30
